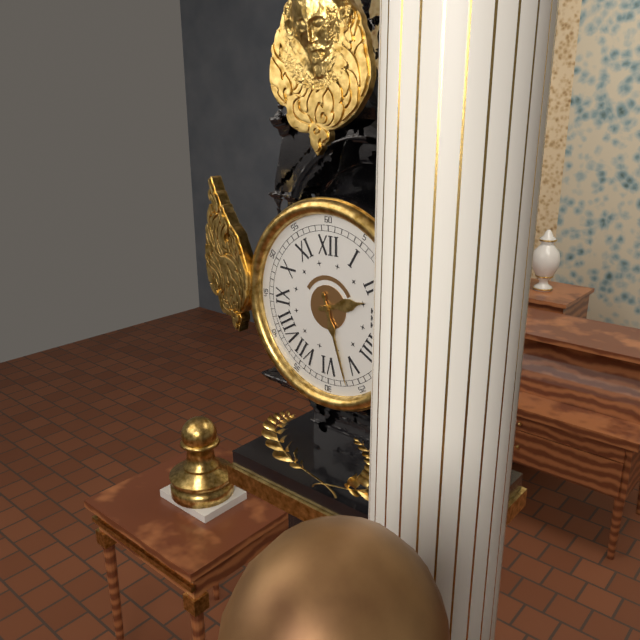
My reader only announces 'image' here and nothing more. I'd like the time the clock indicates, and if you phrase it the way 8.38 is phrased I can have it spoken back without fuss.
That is 2.27
